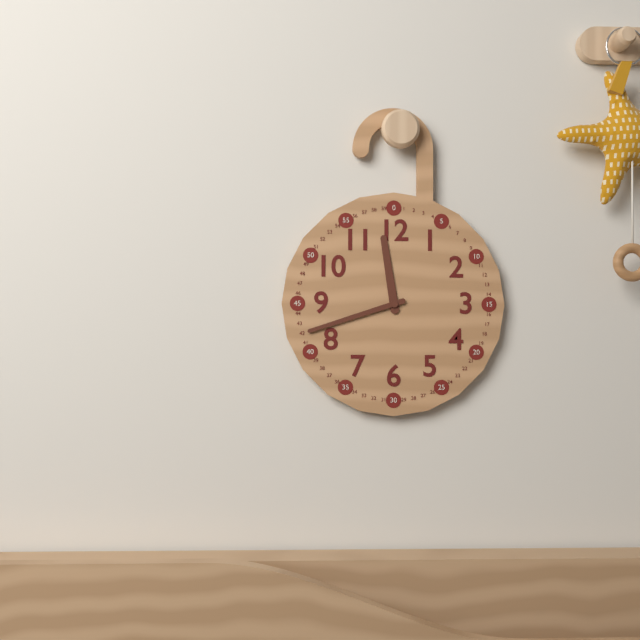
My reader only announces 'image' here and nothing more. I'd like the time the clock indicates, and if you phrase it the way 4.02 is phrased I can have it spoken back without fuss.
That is 11.42
